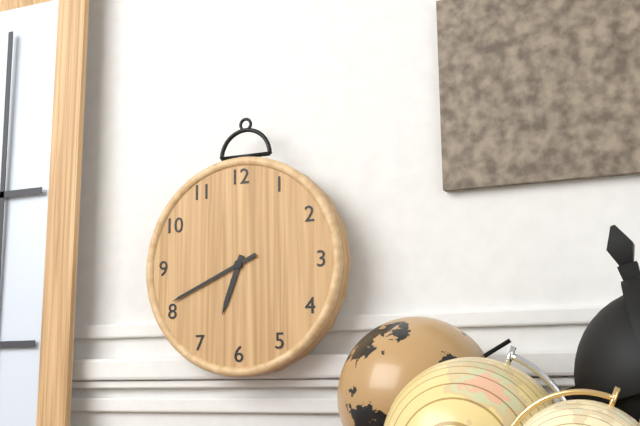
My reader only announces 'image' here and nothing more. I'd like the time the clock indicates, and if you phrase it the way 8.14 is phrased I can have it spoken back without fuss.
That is 6.41
